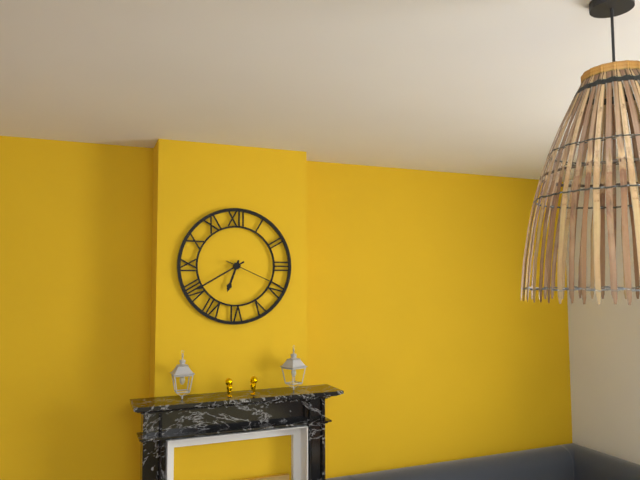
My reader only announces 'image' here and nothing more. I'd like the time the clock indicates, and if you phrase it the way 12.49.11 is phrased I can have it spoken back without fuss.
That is 6.40.19
